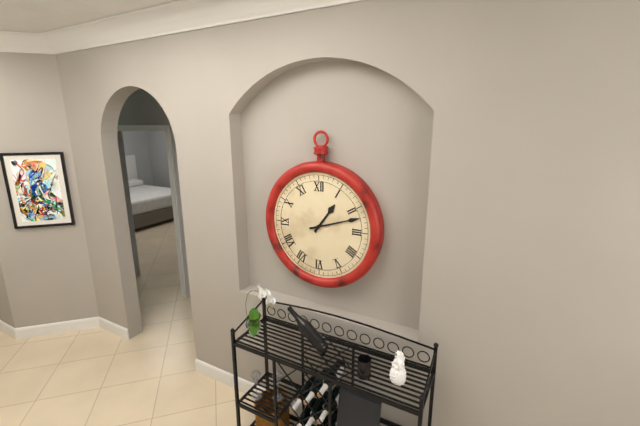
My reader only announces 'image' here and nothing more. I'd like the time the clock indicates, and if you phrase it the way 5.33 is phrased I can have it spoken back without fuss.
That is 1.12
